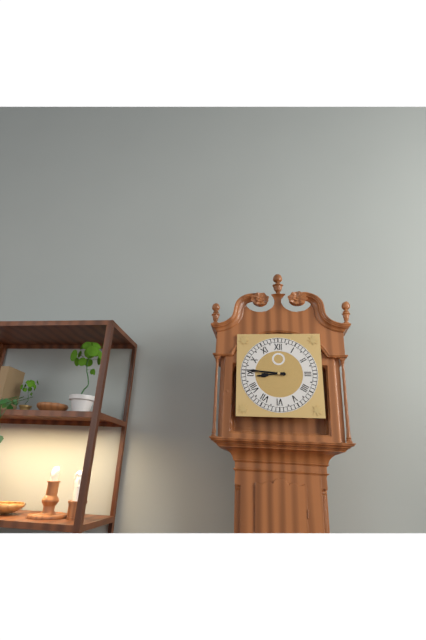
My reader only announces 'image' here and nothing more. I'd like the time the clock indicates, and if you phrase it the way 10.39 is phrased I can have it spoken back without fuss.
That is 8.46
